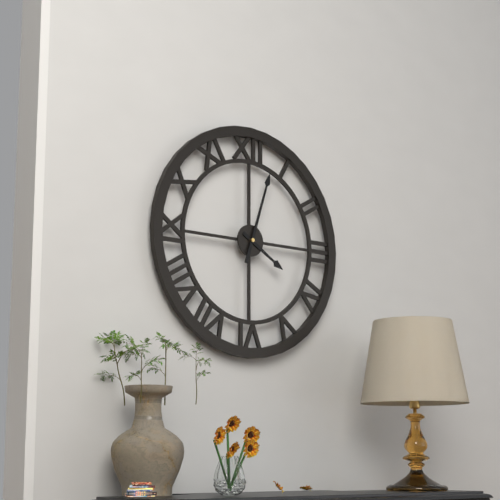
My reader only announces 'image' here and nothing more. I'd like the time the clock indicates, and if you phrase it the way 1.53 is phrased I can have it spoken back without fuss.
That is 4.03
